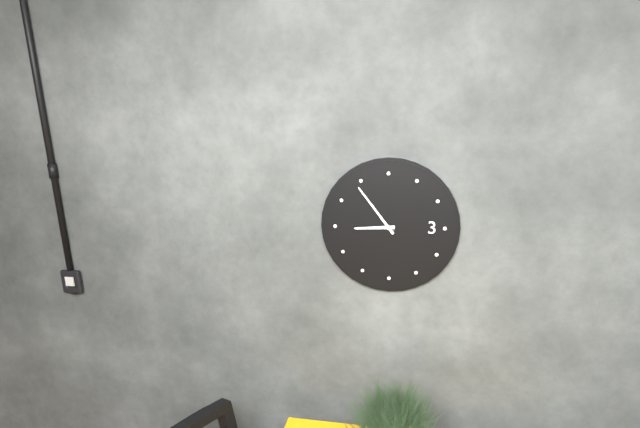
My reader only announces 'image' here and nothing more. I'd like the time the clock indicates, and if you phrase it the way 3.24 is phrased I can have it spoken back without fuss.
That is 8.54
